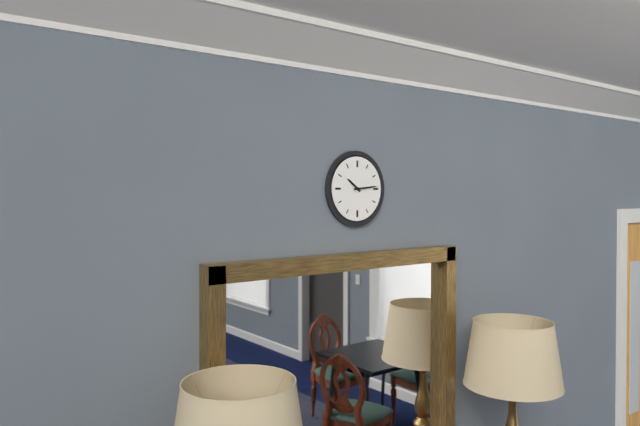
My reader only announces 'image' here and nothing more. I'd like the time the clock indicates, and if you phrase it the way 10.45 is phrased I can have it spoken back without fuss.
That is 10.14
